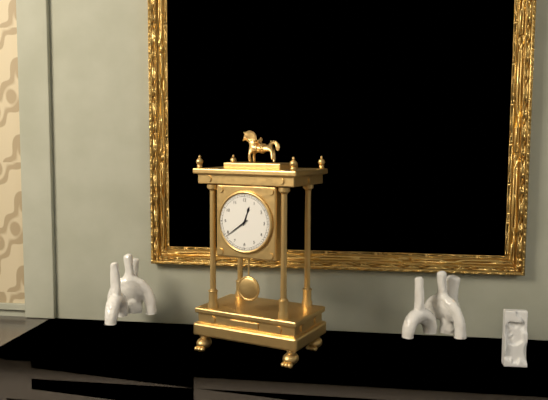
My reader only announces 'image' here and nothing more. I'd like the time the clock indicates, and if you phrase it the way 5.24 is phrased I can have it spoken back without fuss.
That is 12.39
